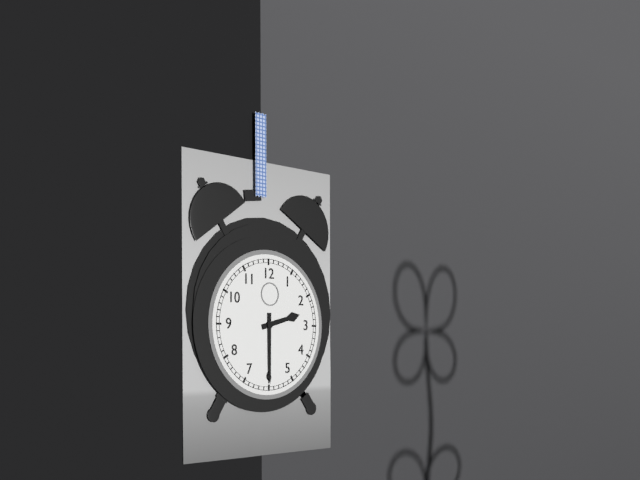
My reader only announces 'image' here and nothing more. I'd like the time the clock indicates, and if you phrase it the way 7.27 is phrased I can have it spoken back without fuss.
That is 2.30
